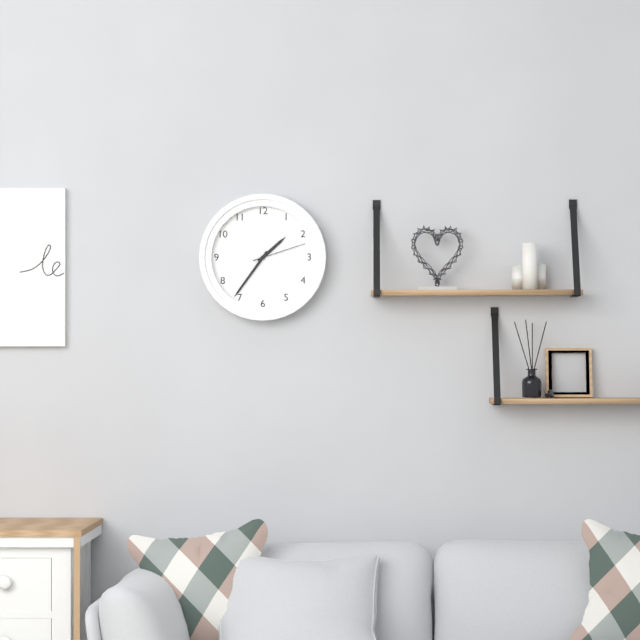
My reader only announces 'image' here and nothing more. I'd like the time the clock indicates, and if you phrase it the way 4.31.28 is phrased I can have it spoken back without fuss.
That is 1.36.12
